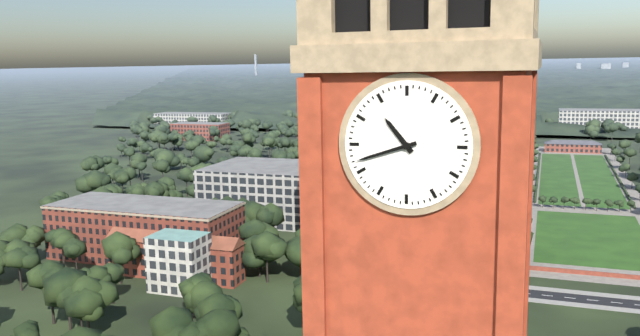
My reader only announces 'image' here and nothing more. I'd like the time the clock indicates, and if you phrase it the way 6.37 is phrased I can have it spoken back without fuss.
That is 10.42
